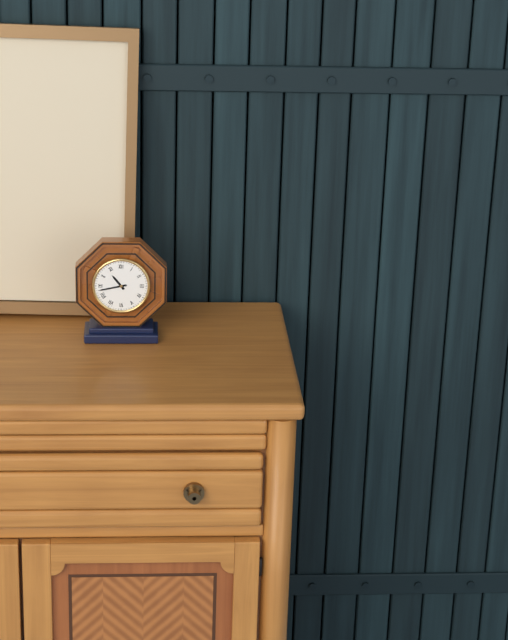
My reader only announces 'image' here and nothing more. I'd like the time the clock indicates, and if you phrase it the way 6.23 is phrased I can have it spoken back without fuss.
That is 10.43
